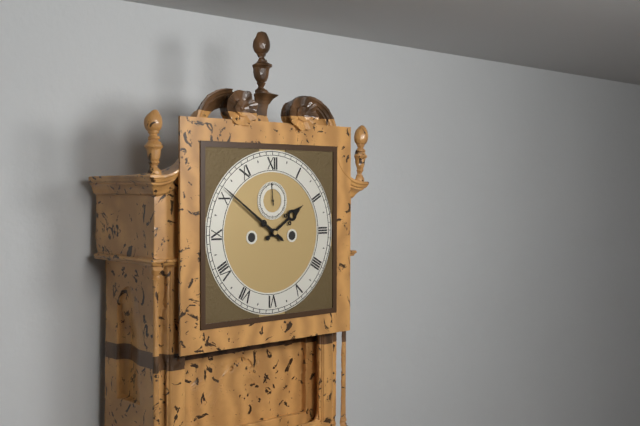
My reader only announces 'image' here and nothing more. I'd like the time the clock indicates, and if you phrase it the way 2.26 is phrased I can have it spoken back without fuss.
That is 1.51
